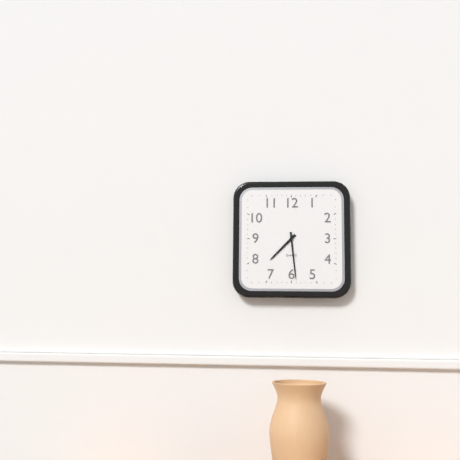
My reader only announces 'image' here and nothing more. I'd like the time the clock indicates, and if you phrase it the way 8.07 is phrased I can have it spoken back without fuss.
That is 7.29
